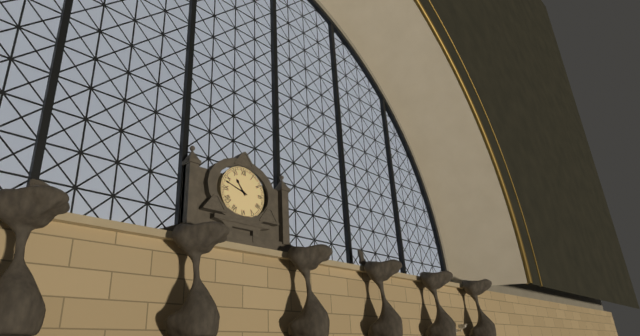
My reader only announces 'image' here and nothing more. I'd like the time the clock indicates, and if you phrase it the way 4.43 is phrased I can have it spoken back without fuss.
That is 10.48
